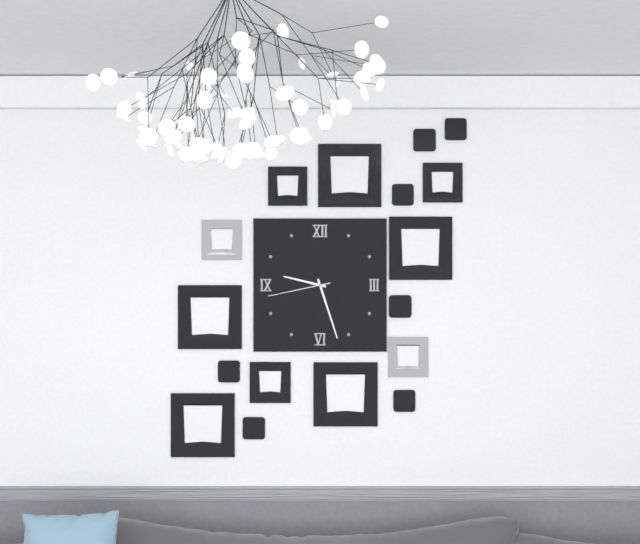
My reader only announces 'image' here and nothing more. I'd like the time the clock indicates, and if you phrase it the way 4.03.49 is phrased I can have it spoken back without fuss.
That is 9.27.43
